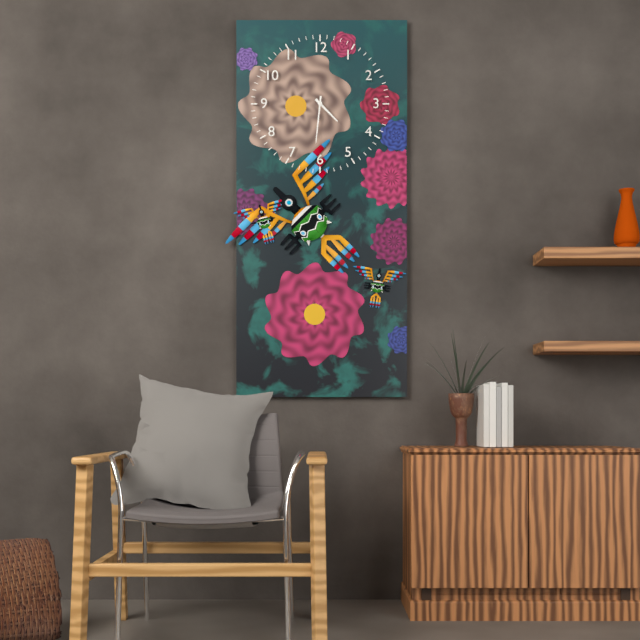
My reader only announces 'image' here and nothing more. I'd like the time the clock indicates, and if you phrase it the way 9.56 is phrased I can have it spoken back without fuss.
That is 4.31
